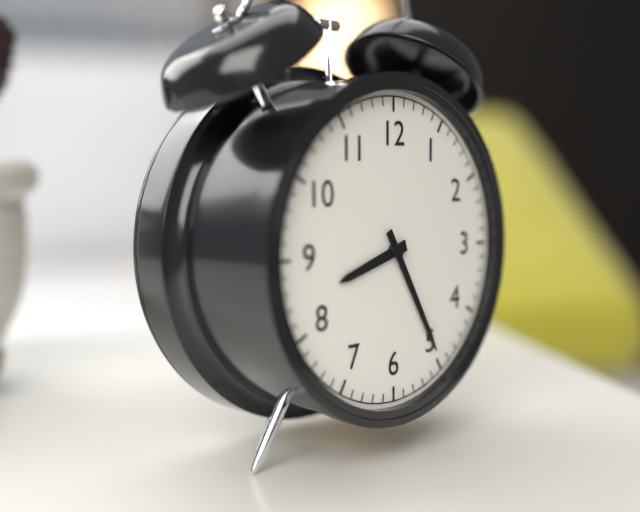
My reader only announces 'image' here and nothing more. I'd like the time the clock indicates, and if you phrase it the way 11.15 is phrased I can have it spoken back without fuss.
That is 8.25
